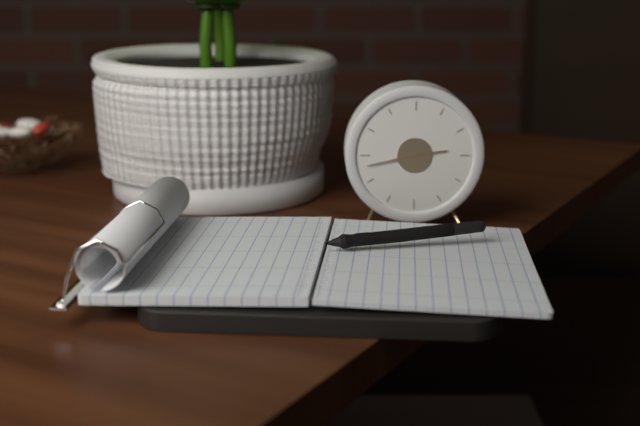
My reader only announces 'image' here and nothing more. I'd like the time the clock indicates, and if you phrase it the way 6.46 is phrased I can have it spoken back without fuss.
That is 2.43
